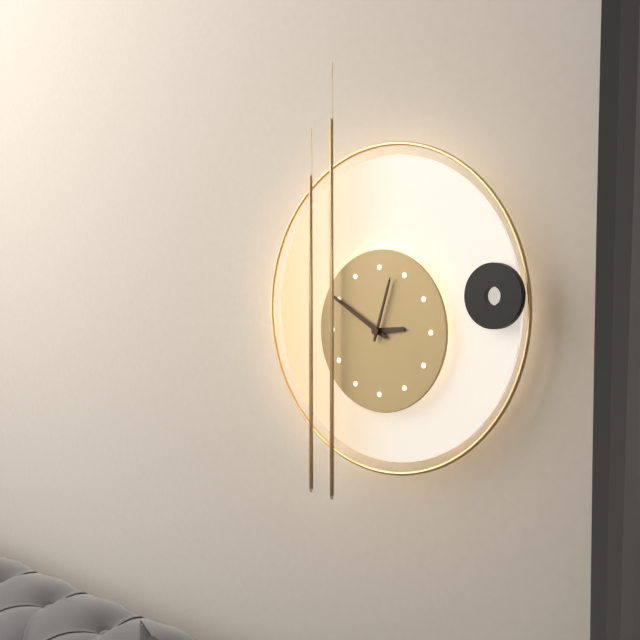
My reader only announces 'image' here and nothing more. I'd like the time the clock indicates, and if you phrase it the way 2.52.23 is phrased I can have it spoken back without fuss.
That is 2.50.03
